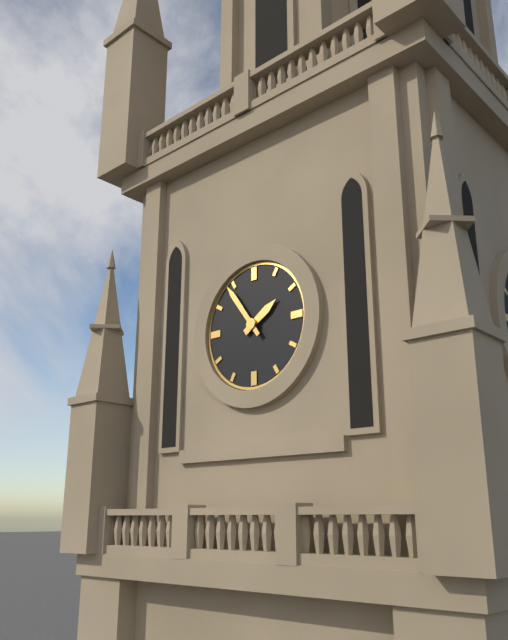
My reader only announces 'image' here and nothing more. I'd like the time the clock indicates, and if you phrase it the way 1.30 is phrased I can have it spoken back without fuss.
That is 1.54
